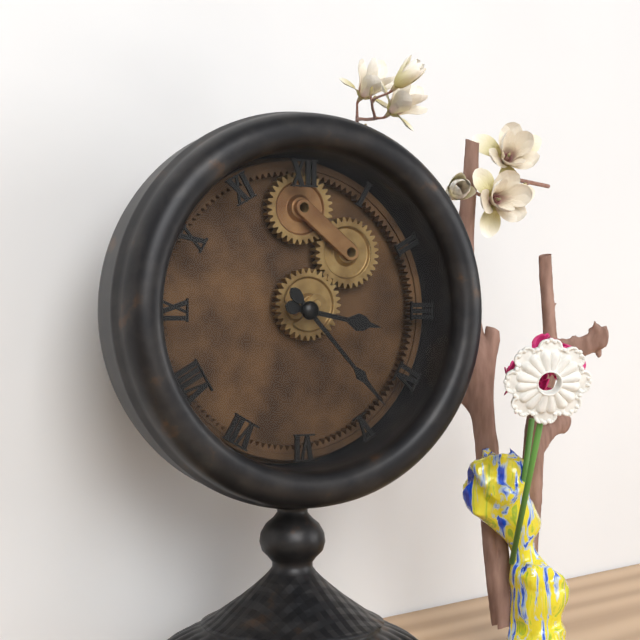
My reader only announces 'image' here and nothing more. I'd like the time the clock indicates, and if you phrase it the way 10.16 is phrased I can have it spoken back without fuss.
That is 3.23
